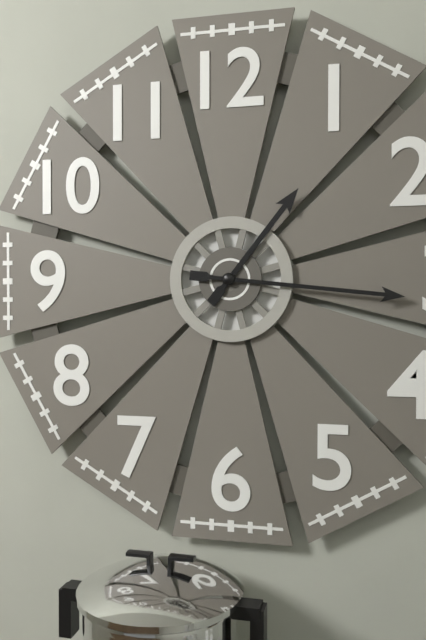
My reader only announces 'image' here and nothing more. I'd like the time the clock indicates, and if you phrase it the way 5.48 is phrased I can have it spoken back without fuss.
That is 1.16
